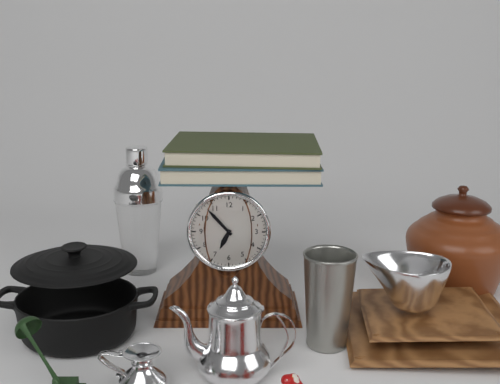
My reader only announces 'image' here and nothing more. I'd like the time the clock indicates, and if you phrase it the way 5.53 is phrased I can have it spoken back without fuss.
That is 6.53
